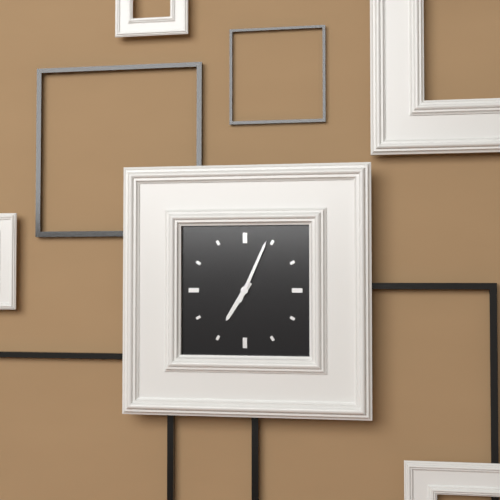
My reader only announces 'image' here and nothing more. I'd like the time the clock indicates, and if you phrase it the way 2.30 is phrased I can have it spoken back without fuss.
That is 7.04
